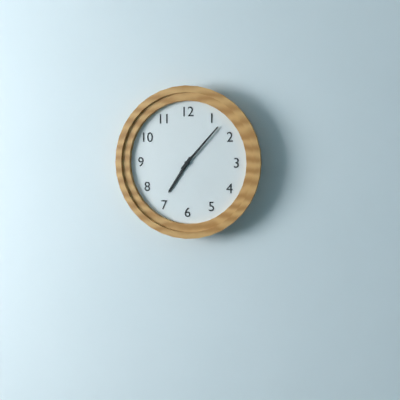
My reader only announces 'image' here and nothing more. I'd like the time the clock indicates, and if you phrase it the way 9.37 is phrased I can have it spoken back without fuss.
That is 7.07
